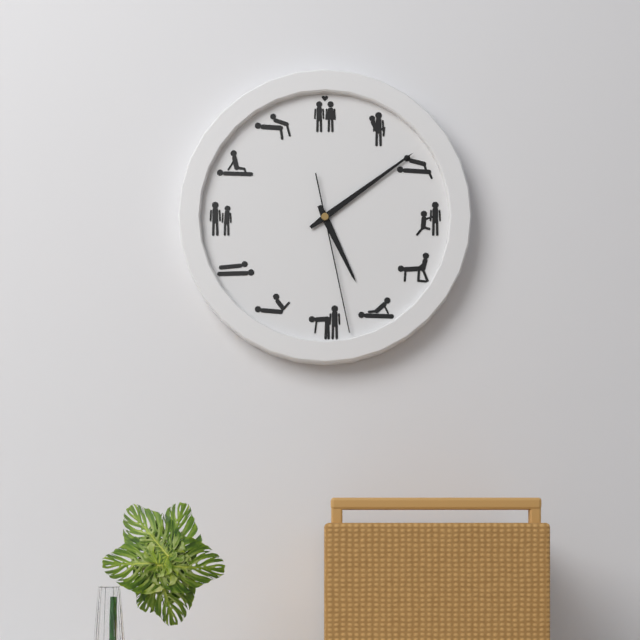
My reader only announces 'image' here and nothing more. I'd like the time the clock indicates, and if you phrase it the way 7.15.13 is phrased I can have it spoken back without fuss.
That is 5.09.28
